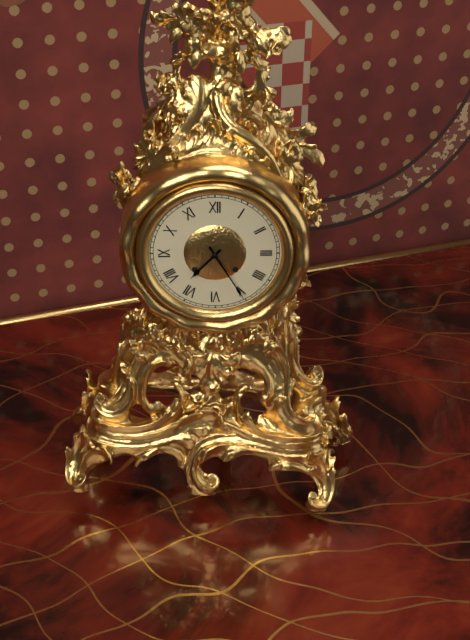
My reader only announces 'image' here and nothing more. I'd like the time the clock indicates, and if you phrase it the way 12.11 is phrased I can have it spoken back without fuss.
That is 7.25
